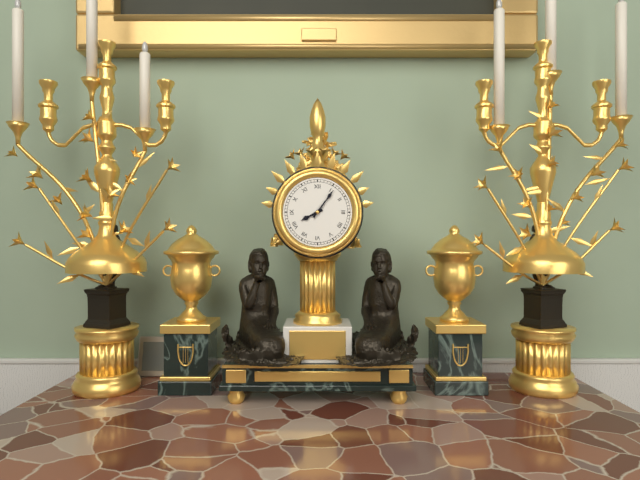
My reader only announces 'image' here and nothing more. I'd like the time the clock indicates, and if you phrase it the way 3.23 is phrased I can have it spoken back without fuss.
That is 8.06
